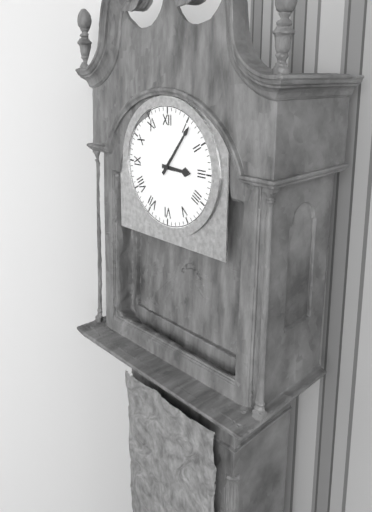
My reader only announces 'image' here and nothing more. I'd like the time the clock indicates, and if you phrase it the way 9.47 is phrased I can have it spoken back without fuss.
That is 3.06
